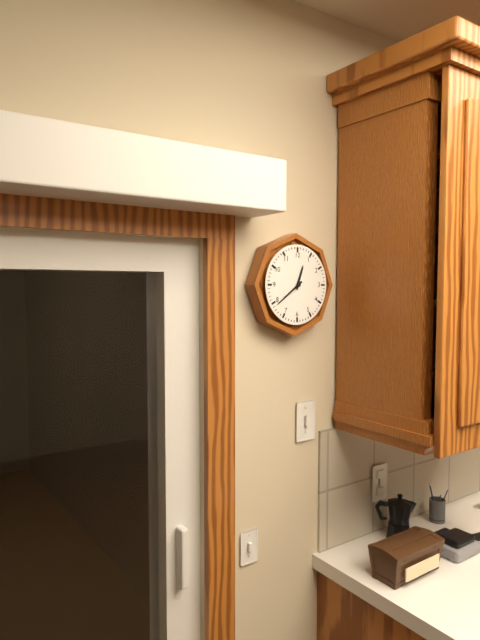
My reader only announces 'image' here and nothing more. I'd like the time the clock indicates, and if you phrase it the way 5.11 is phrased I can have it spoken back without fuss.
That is 12.39
